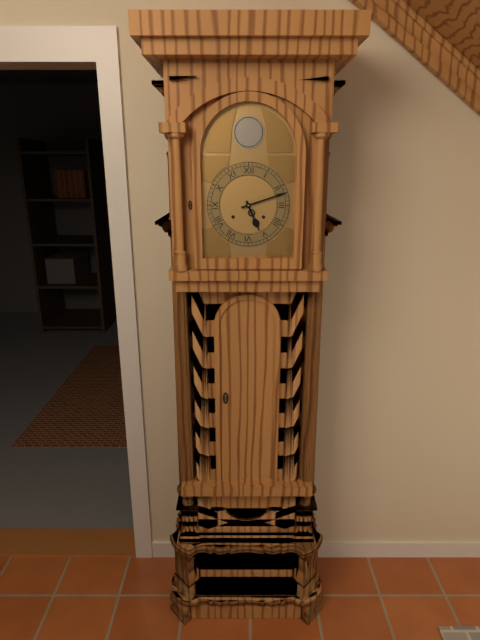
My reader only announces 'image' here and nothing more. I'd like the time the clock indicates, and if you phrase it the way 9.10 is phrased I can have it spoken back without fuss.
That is 5.12
